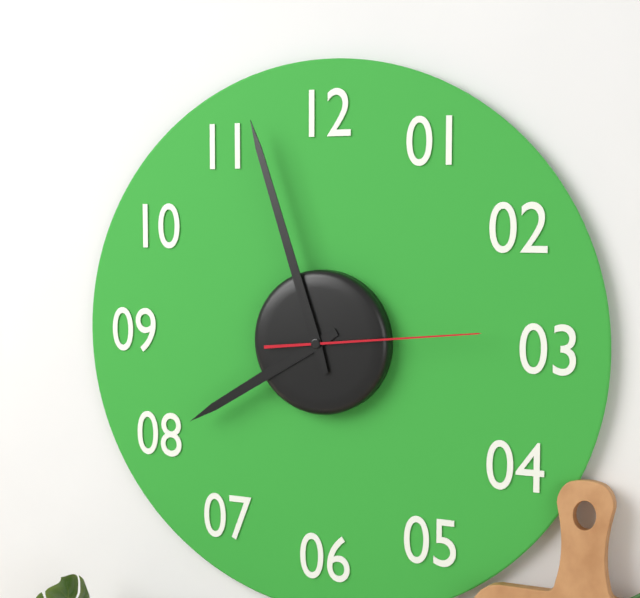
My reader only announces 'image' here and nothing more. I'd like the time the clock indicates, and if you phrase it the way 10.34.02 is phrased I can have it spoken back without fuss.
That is 7.57.14
